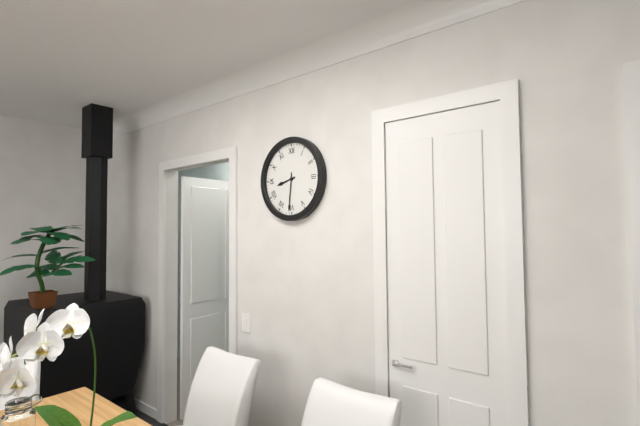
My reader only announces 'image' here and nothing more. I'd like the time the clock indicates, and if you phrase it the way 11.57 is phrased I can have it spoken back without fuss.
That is 8.31
